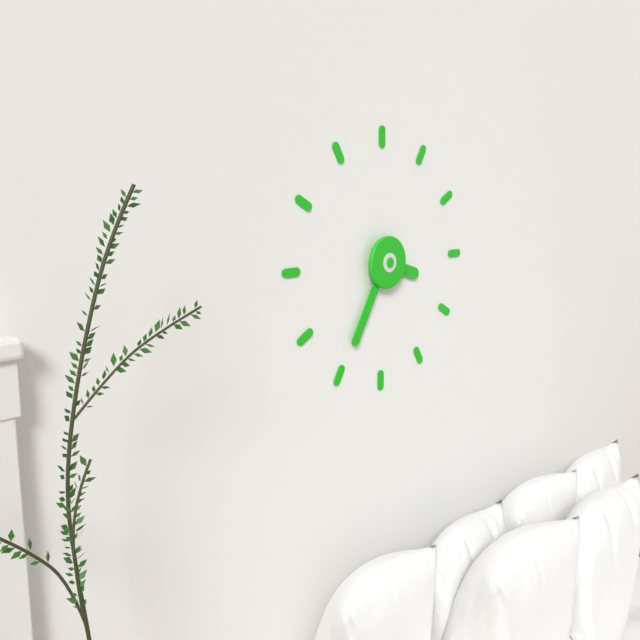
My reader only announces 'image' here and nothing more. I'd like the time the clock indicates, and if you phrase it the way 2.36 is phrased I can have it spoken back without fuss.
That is 3.35
